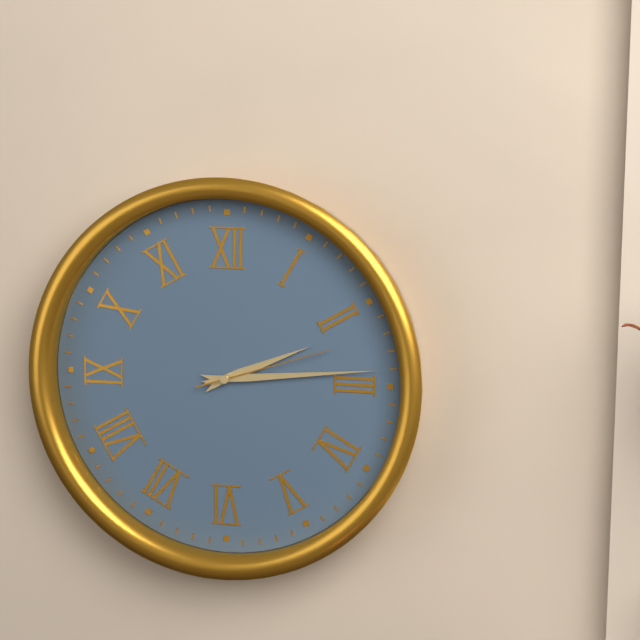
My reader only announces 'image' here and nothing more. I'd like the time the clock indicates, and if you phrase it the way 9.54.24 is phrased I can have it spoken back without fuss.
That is 2.14.12
